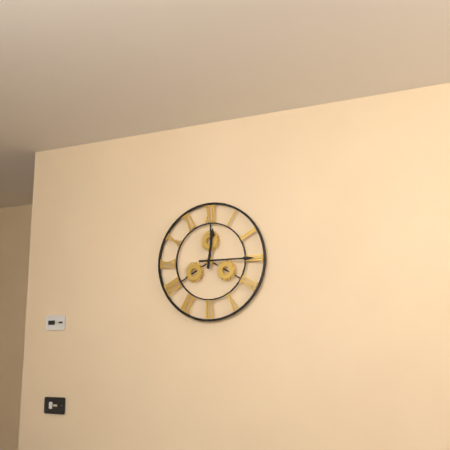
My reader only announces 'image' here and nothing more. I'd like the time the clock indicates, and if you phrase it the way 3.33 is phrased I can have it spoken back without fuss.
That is 12.15
